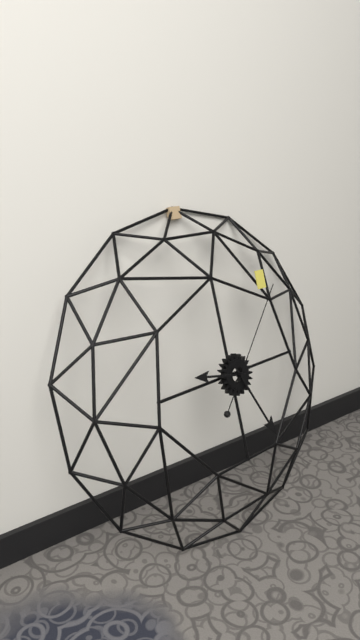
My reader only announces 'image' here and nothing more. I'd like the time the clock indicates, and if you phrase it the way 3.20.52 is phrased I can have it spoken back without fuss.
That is 9.26.07
